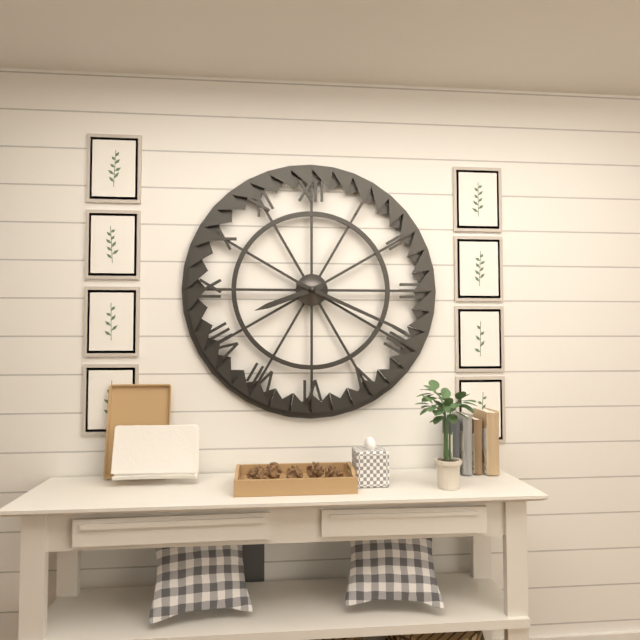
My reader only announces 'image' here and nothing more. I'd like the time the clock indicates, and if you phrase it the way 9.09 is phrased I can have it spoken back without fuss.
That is 8.19
